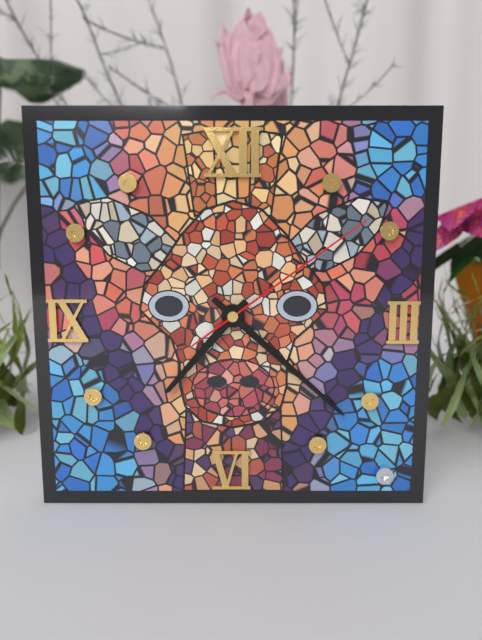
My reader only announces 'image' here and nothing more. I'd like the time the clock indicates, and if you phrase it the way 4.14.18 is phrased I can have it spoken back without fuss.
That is 7.22.09
